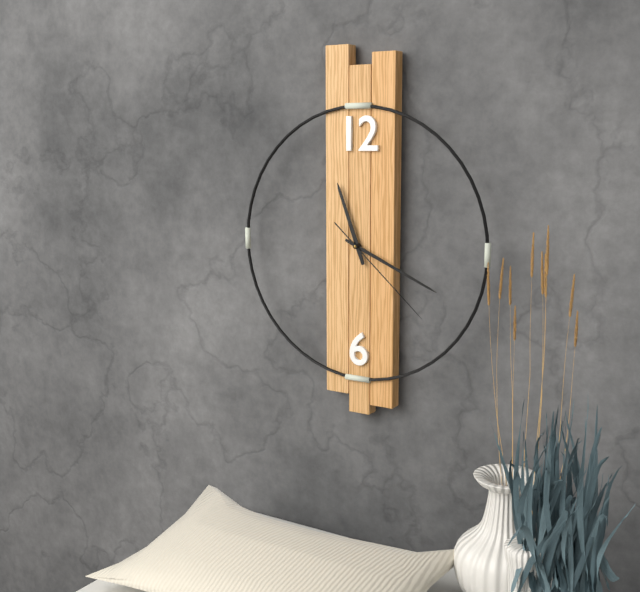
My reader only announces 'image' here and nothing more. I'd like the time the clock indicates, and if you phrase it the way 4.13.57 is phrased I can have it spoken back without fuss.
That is 11.19.22
